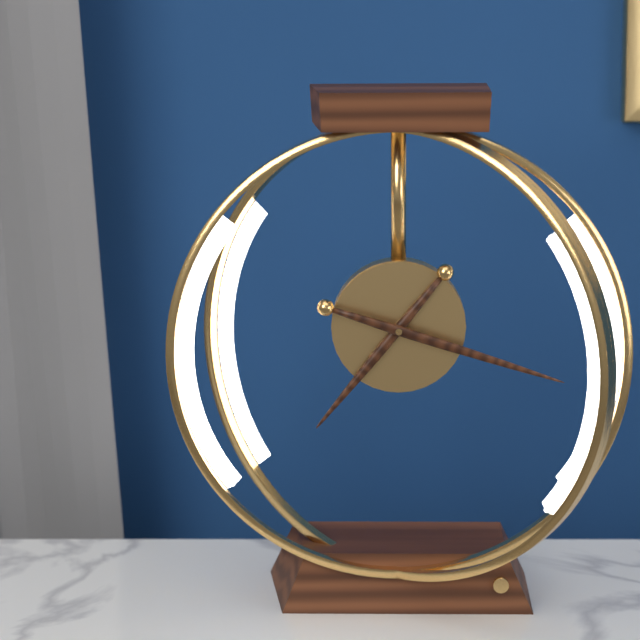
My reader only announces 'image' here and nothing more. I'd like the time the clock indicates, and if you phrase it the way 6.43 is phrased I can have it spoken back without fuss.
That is 7.18
